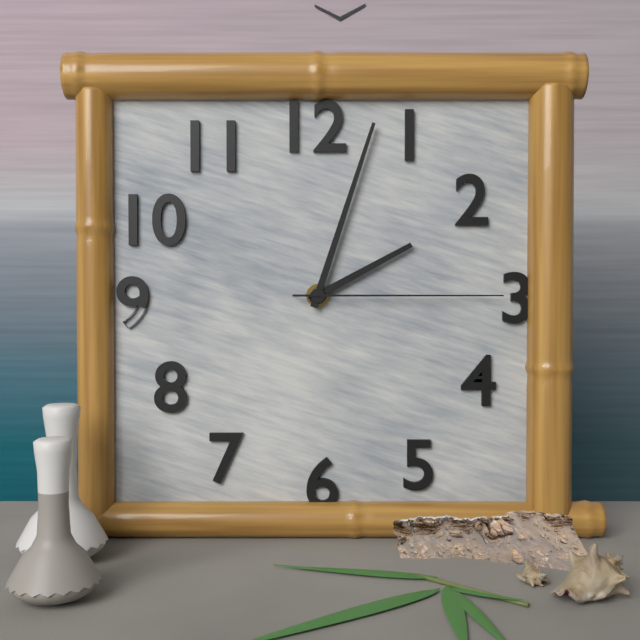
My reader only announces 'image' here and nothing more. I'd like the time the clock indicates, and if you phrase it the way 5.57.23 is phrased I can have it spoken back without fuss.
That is 2.03.15
